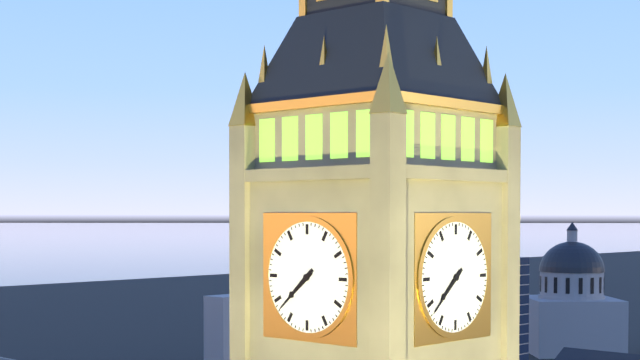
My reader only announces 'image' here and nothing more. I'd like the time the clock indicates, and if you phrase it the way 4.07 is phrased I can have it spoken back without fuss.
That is 7.38
